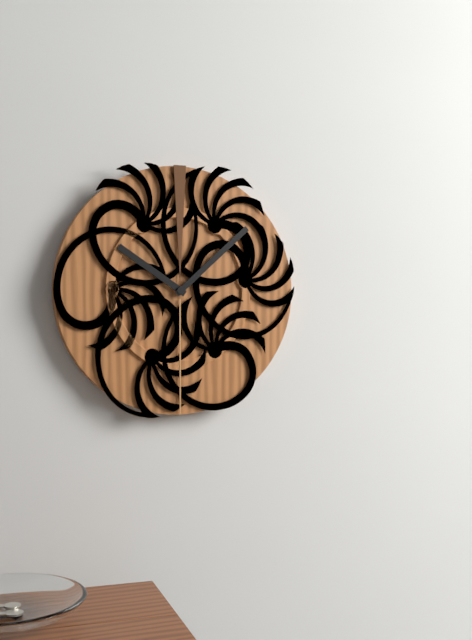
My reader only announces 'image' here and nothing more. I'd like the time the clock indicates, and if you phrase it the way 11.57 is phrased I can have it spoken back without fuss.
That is 10.08
